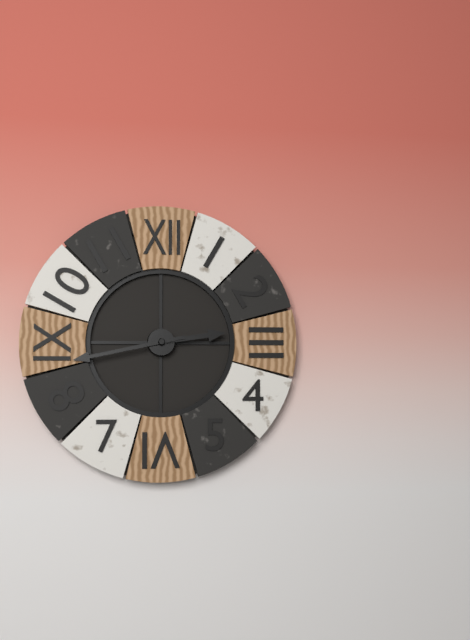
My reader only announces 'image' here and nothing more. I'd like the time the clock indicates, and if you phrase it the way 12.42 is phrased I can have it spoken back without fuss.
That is 2.43
